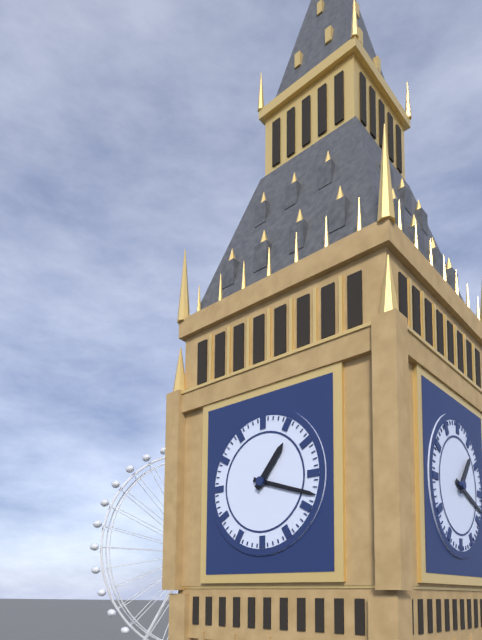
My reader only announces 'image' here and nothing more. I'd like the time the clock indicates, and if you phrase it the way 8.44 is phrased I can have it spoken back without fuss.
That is 1.18
